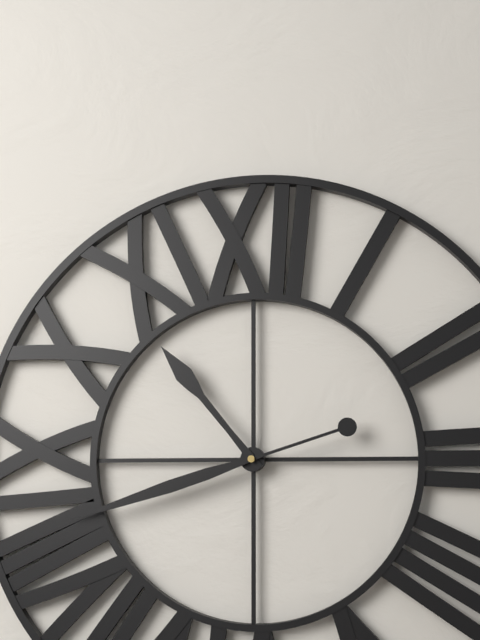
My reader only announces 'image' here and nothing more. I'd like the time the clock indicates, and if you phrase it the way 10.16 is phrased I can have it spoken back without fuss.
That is 10.42
